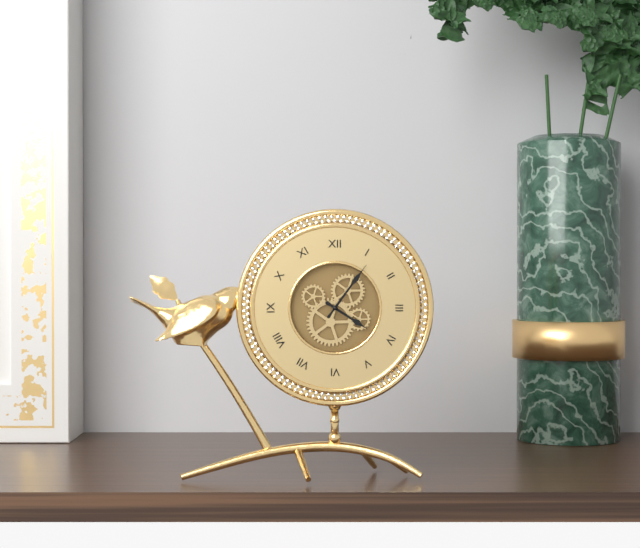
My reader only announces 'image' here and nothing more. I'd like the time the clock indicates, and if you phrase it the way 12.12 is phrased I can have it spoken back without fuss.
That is 4.06
